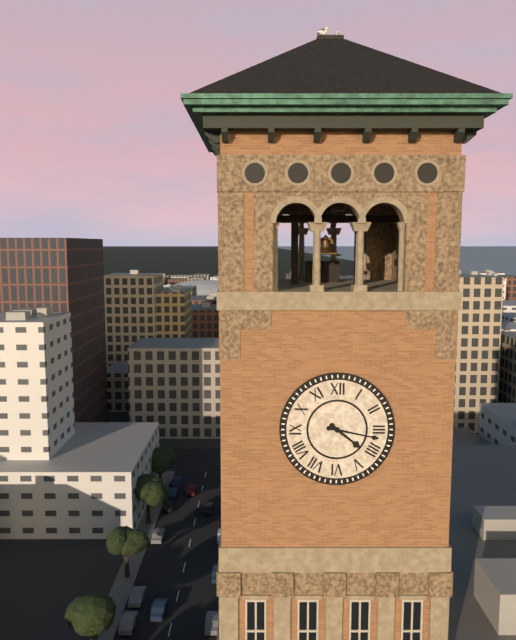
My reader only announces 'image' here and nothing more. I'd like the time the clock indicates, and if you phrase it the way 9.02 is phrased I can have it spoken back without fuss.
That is 4.17
